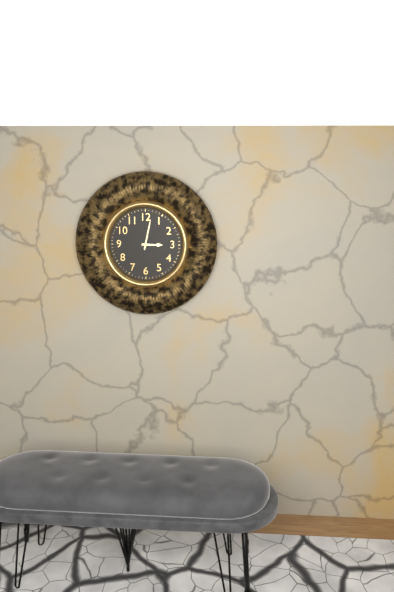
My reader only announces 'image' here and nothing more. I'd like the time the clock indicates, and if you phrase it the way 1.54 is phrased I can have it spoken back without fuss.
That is 3.02
